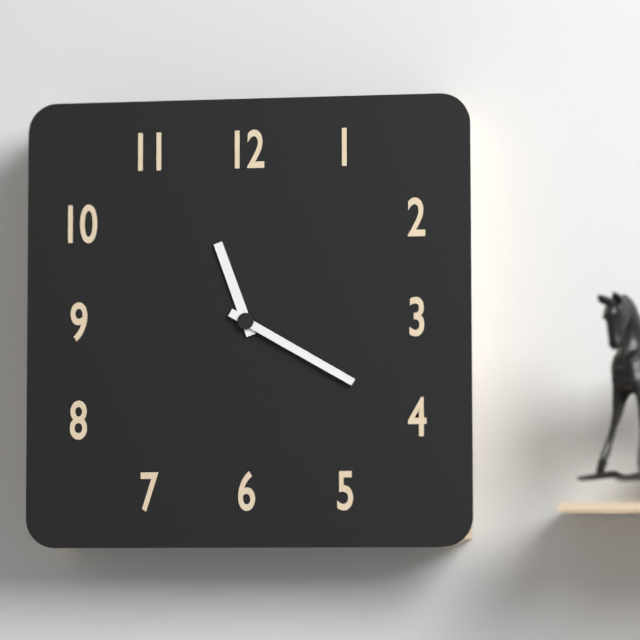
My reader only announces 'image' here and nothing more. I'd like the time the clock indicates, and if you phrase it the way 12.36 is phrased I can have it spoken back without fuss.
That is 11.20
